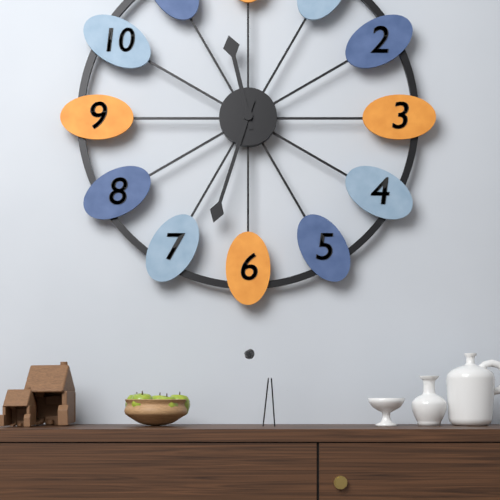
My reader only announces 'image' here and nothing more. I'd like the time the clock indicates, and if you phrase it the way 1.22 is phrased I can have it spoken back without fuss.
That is 11.33
